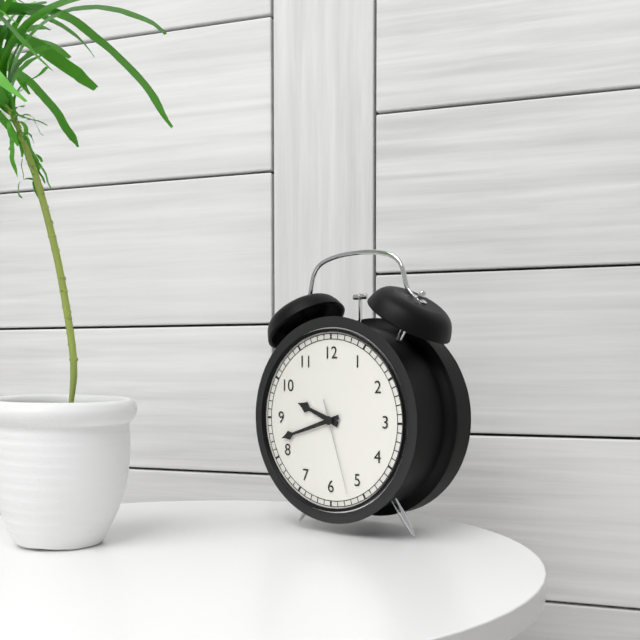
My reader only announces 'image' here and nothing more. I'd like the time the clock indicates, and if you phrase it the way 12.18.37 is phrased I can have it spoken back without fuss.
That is 9.42.27
